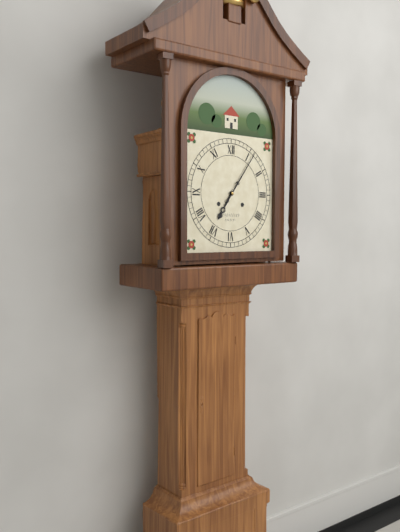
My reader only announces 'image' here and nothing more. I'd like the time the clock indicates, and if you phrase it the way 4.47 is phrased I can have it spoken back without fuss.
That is 7.06
